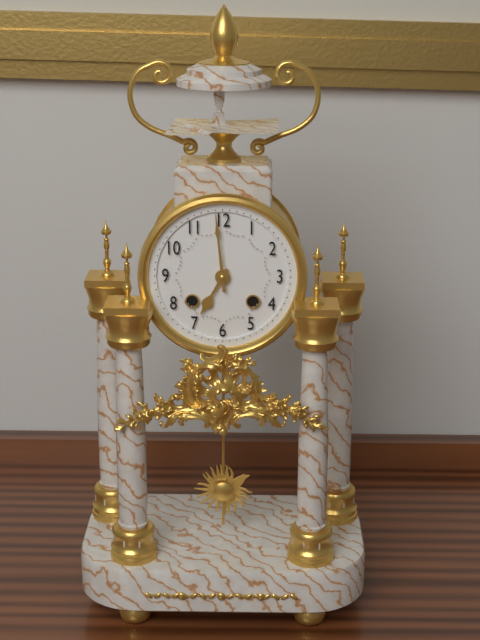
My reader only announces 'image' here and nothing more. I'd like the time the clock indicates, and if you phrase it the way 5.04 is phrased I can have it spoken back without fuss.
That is 6.59
